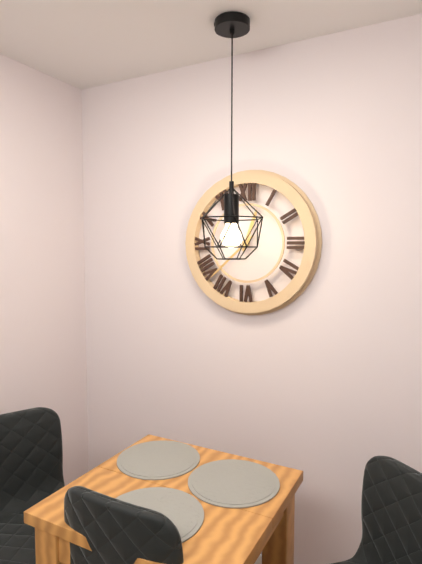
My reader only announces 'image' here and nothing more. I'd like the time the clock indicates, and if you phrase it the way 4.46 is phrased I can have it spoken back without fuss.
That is 12.38
